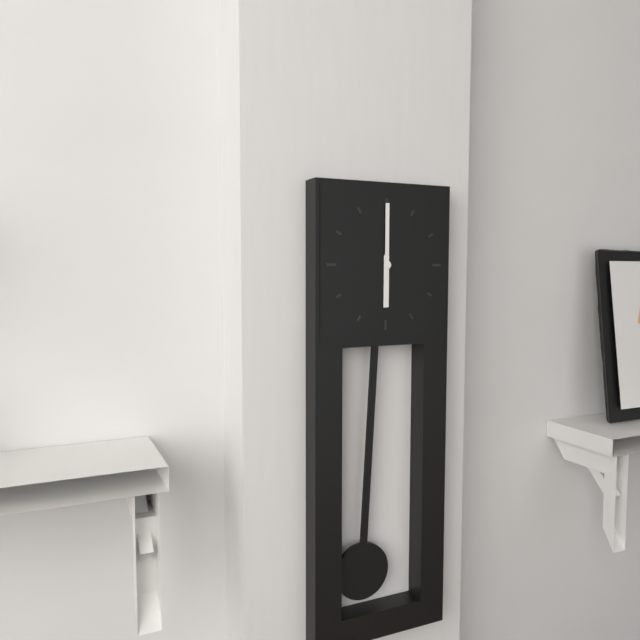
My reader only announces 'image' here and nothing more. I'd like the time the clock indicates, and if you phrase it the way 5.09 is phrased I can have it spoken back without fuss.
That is 6.00
